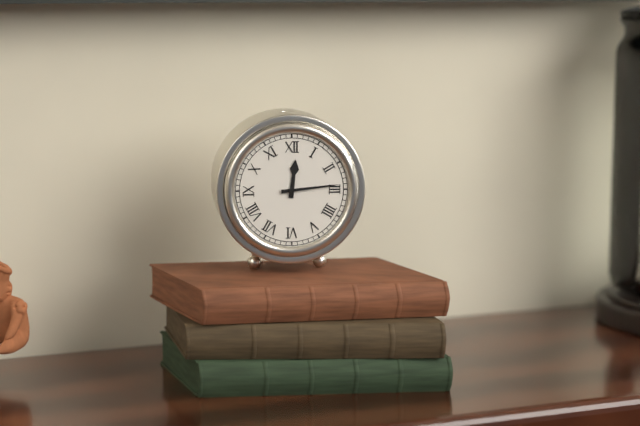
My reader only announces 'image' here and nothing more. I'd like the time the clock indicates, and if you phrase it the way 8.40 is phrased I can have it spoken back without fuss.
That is 12.14
